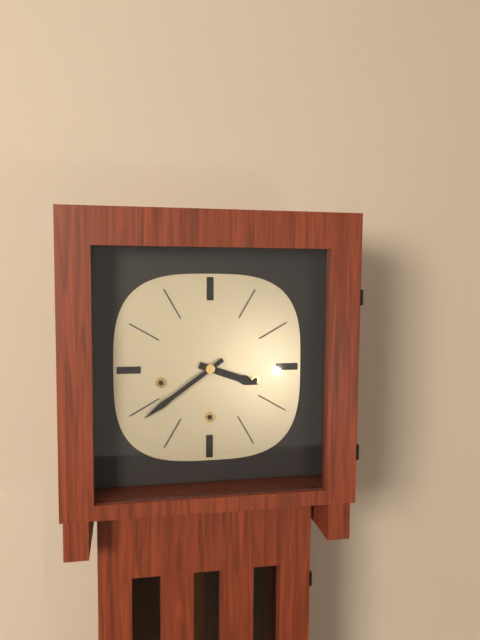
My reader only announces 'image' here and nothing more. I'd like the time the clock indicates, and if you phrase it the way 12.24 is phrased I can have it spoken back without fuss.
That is 3.39
